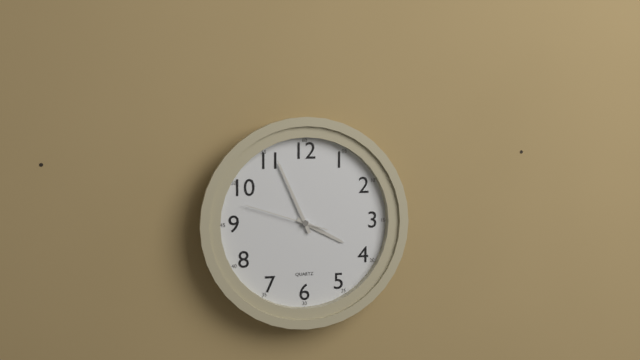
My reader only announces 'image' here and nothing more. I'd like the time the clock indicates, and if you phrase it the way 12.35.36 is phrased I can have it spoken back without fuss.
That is 3.56.48
